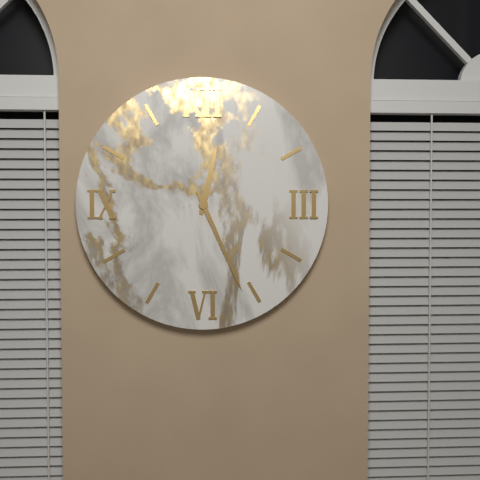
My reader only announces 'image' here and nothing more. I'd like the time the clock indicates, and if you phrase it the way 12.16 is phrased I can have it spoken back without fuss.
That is 12.26
